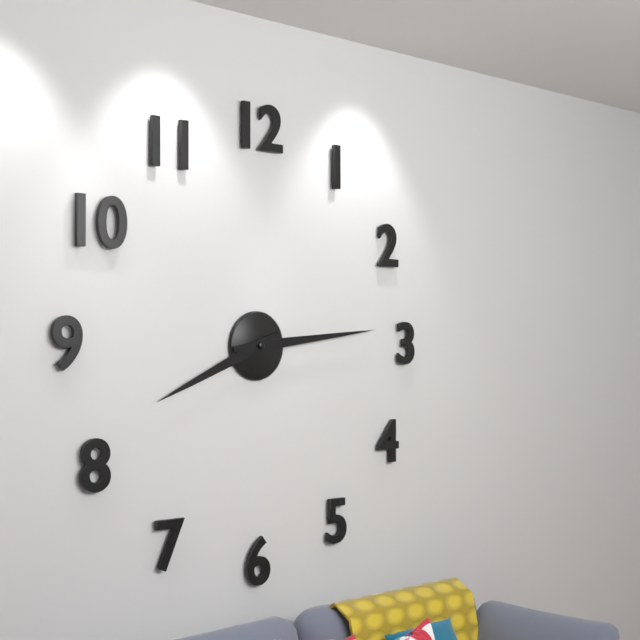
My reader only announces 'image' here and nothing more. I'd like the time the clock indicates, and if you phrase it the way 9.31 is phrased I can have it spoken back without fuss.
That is 8.14
